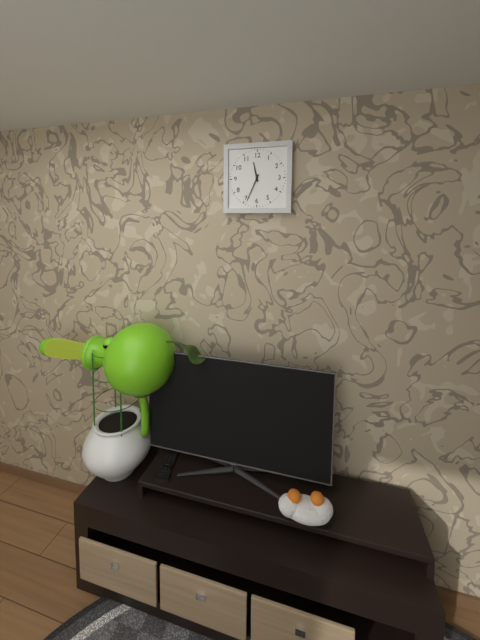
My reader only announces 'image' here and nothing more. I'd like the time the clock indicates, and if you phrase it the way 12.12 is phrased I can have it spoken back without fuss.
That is 11.34
